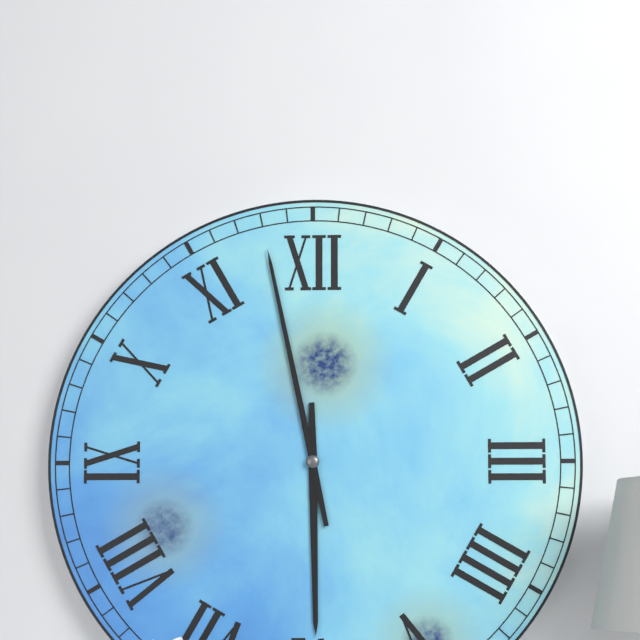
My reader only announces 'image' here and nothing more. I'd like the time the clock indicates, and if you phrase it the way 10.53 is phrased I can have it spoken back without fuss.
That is 5.58
